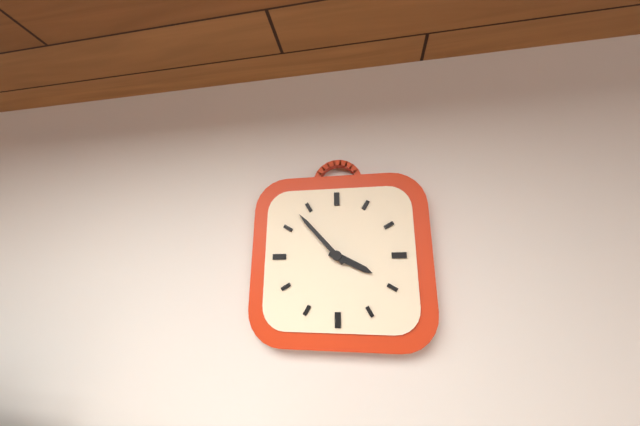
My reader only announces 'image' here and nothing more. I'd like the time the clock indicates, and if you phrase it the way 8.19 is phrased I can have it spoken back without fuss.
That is 3.53
